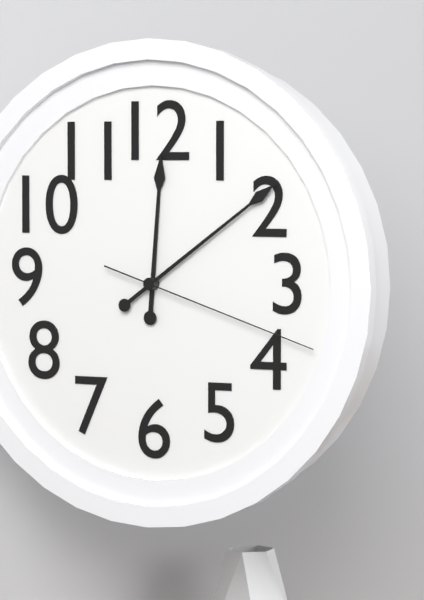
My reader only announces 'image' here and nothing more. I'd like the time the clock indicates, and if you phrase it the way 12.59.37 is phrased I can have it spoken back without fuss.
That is 12.09.18
